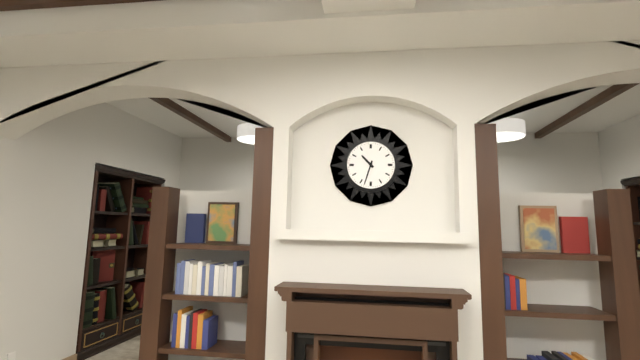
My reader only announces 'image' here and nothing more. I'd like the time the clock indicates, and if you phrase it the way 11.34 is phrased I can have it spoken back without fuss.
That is 10.33
